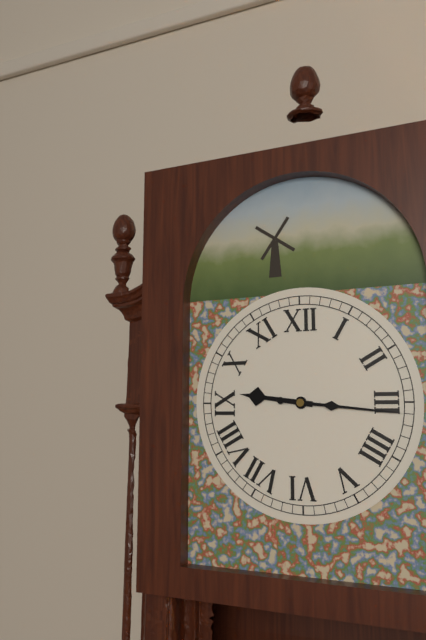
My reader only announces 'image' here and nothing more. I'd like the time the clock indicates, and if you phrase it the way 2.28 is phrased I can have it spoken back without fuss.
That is 9.16
